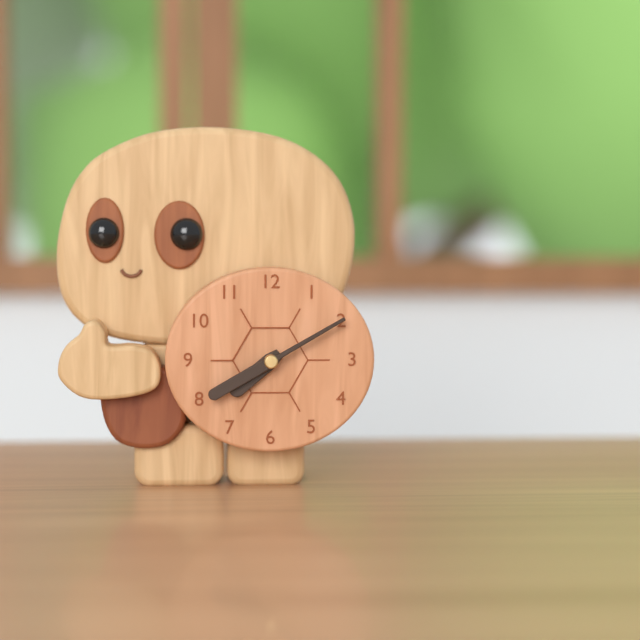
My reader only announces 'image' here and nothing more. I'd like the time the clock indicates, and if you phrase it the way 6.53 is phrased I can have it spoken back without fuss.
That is 7.40
